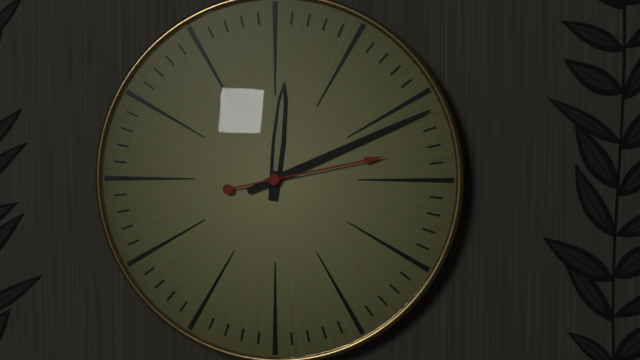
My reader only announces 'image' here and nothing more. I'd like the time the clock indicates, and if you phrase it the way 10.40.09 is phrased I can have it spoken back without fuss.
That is 12.11.13
